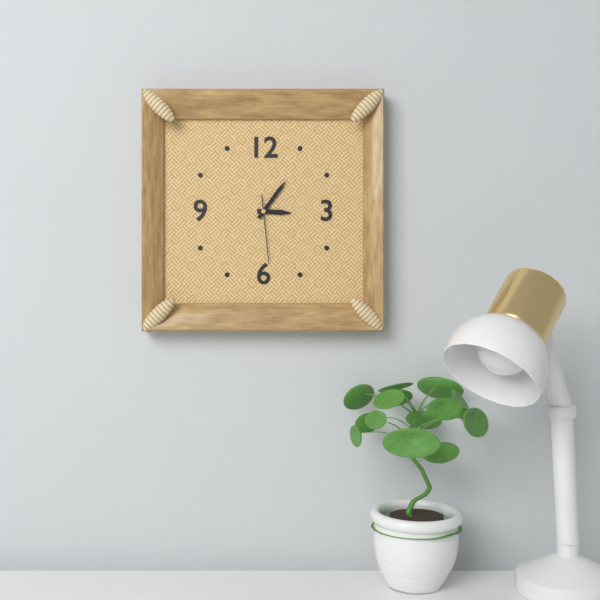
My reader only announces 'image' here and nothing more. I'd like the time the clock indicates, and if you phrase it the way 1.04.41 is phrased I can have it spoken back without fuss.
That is 3.06.29
